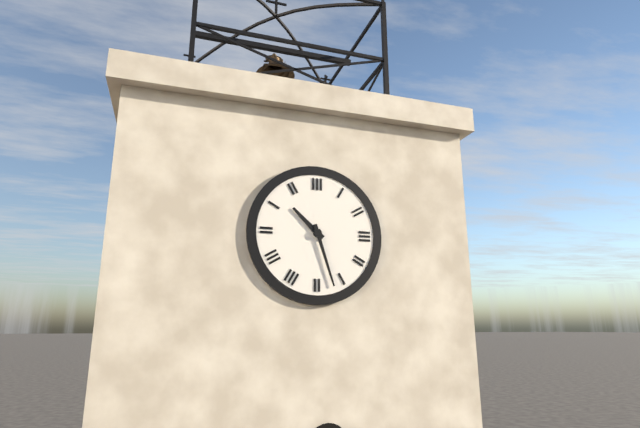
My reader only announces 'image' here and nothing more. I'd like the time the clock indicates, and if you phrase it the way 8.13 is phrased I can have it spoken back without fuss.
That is 10.27
